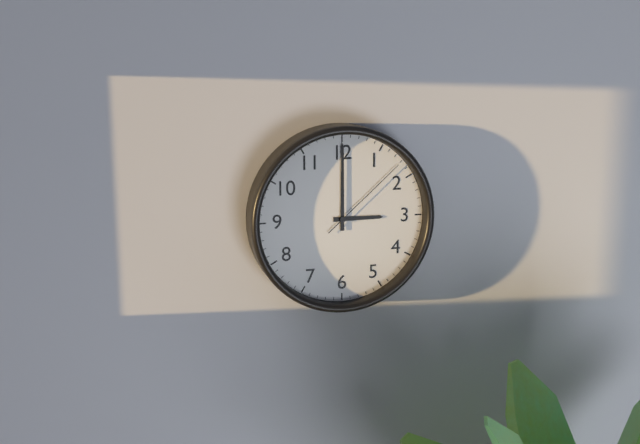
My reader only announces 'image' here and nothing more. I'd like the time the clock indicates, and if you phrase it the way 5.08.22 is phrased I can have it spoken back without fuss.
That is 3.00.08
